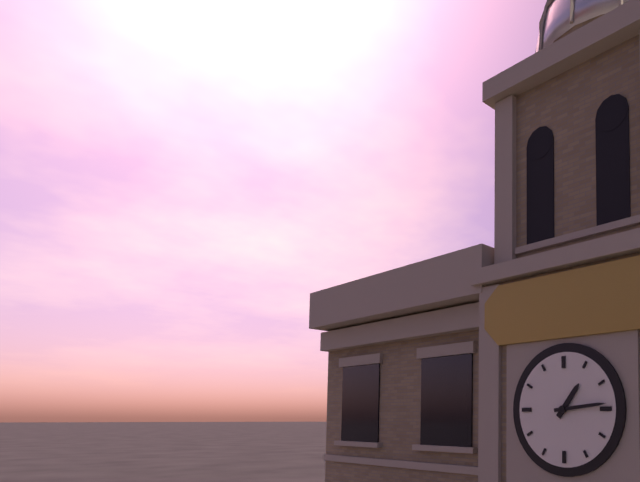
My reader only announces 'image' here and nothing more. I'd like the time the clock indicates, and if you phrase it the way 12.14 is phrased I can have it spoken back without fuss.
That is 1.14
